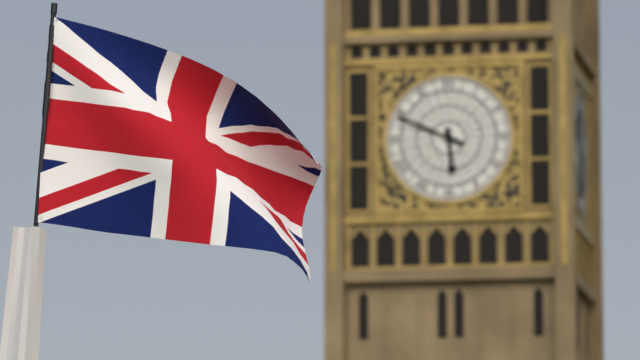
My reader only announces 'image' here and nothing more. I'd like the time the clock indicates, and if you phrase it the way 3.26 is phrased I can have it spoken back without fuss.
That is 5.49
